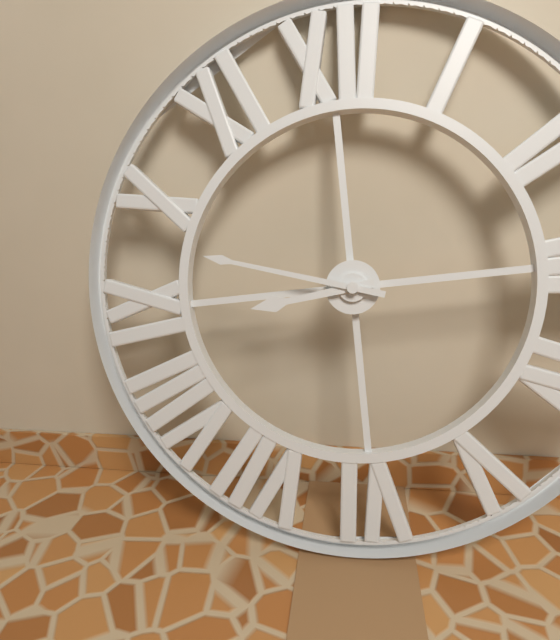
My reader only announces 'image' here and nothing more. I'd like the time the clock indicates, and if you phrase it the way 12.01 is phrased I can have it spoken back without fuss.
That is 8.48
